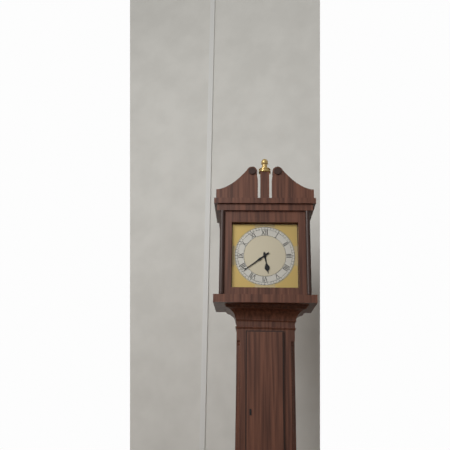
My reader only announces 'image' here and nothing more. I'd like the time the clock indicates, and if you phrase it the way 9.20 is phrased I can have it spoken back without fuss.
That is 5.39
